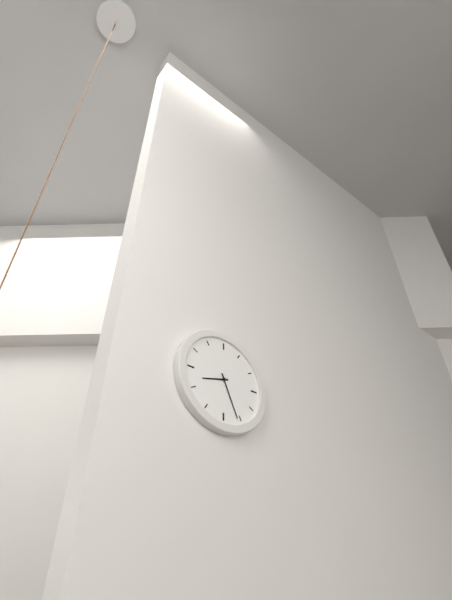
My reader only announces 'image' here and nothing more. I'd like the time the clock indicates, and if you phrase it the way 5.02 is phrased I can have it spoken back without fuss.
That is 8.26
